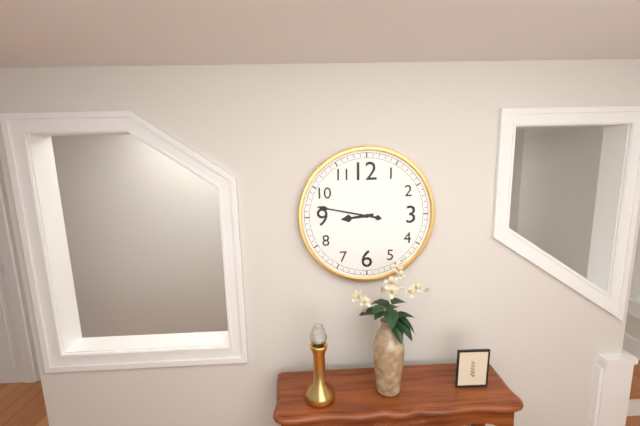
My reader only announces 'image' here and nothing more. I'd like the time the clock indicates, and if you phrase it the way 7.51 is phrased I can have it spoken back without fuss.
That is 8.47
